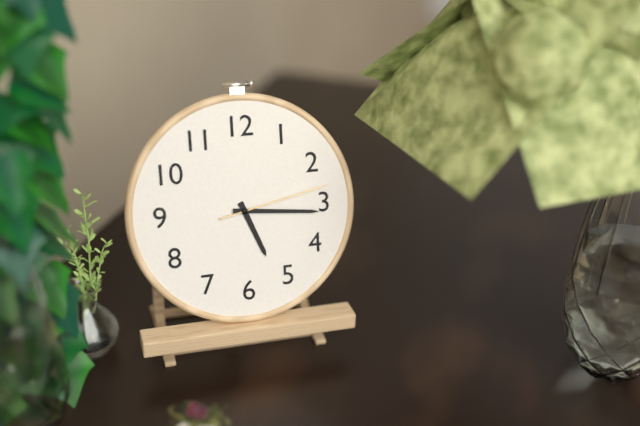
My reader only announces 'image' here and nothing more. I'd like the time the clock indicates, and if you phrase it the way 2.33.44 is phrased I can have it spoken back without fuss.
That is 5.16.13
